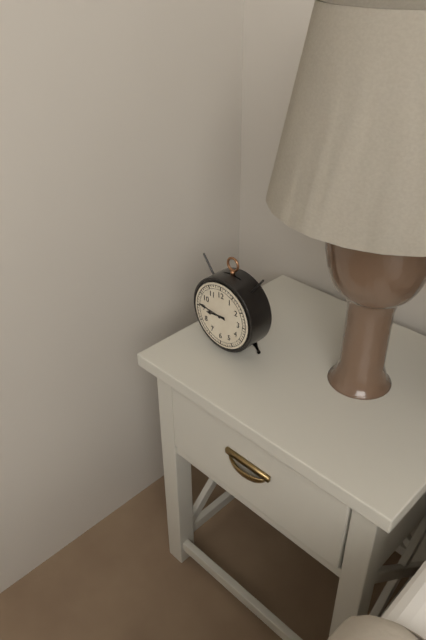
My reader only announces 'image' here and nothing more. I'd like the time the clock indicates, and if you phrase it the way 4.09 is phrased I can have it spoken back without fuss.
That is 8.46
